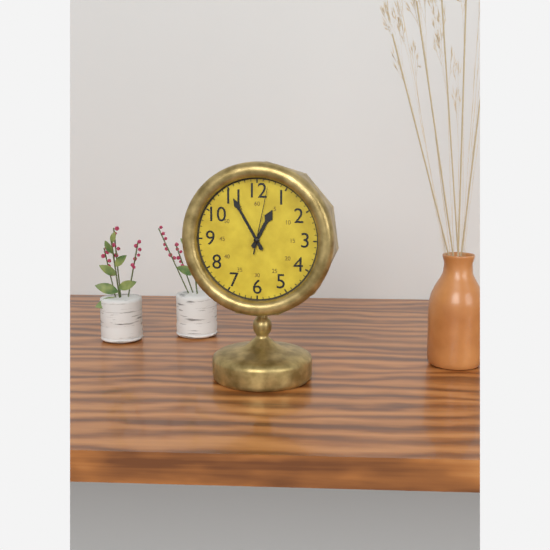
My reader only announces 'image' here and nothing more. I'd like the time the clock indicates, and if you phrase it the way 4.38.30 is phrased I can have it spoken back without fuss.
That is 12.55.02
